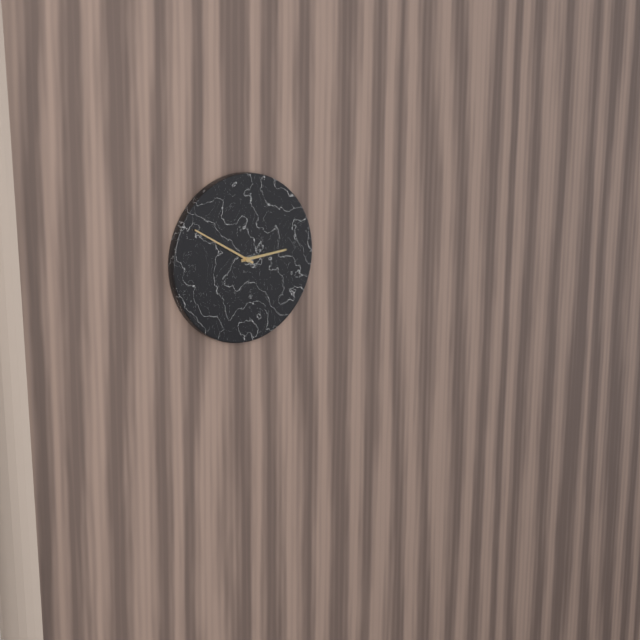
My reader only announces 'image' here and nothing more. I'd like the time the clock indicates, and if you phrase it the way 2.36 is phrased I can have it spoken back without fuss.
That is 2.50
